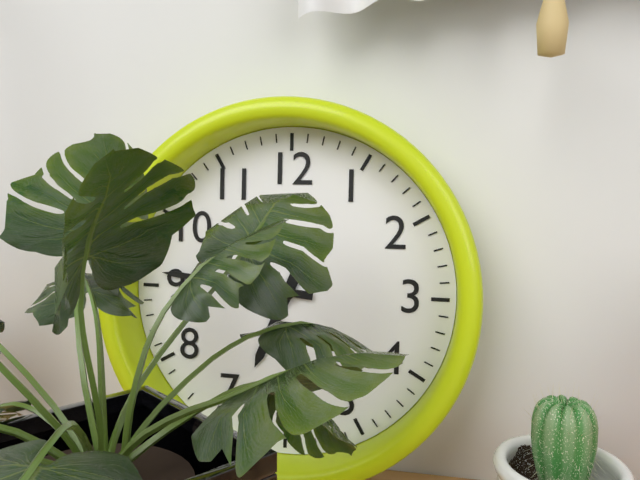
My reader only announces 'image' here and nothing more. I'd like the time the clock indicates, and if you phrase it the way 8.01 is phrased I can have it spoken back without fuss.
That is 6.46
